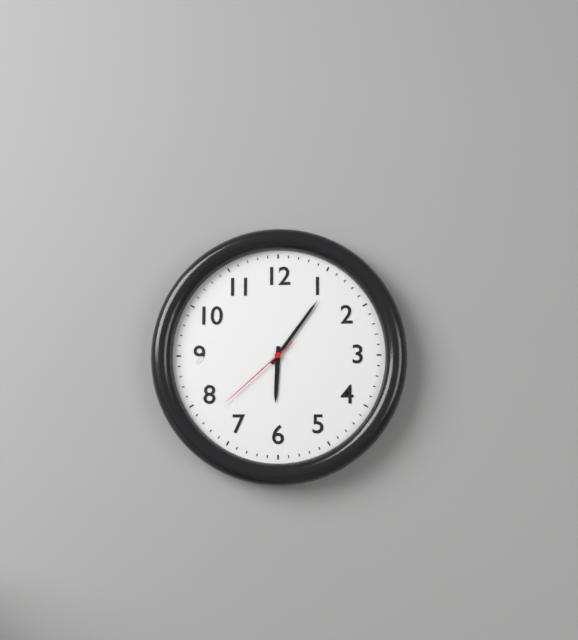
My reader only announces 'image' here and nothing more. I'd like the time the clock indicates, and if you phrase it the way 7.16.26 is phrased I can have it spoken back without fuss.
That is 6.06.38
